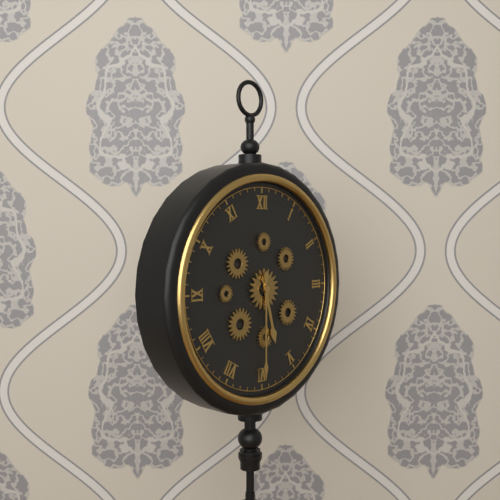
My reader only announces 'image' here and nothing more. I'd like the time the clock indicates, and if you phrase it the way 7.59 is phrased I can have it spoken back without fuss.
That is 5.30
